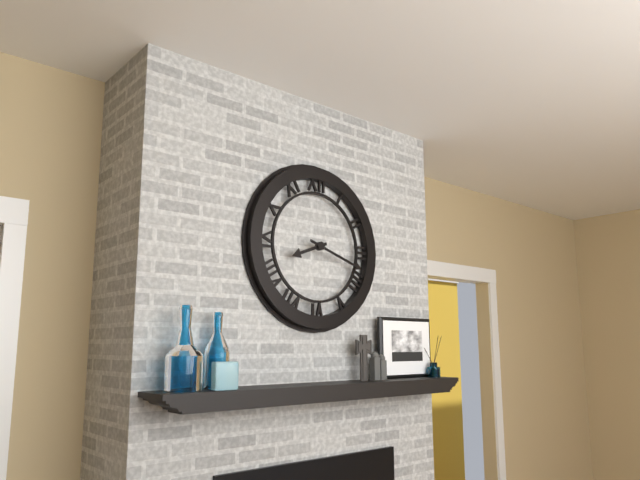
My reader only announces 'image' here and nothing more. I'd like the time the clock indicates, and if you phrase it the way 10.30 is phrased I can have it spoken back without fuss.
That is 8.18
